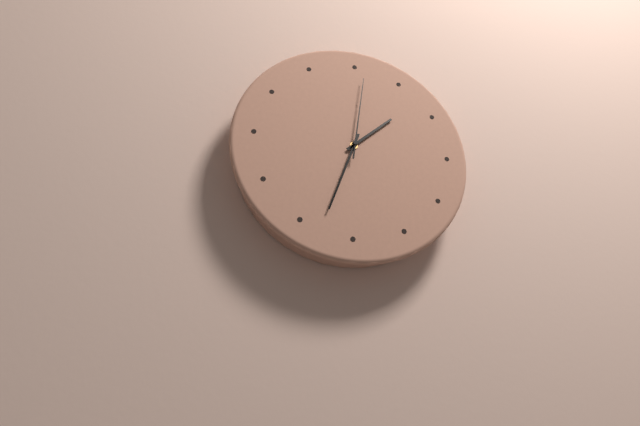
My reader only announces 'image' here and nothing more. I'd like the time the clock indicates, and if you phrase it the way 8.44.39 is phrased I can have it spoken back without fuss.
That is 1.33.01
